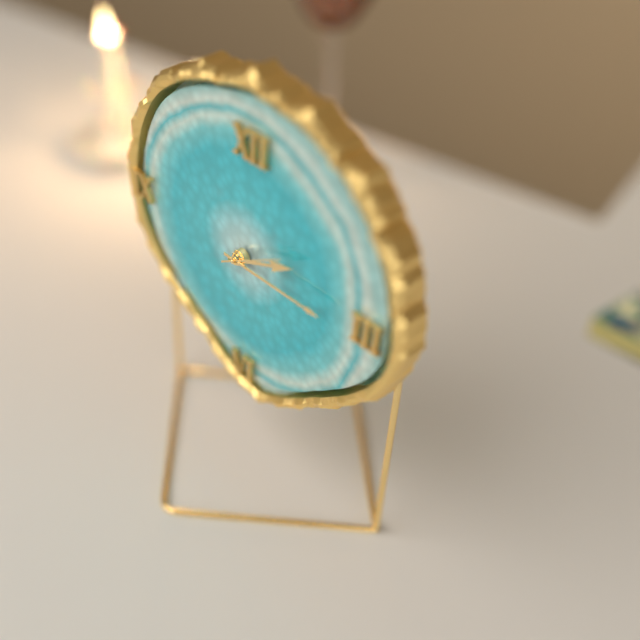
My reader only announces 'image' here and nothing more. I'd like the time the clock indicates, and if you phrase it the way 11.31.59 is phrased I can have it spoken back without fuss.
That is 2.15.10
